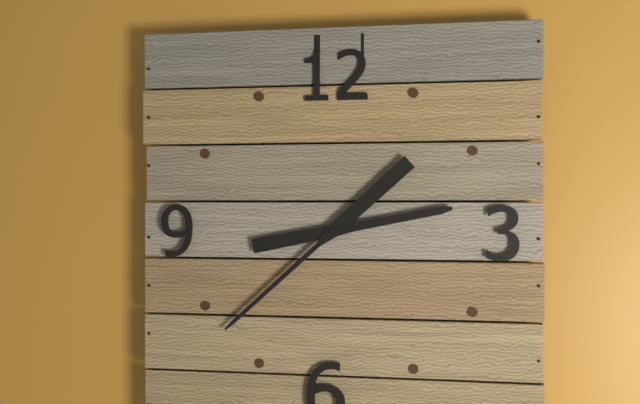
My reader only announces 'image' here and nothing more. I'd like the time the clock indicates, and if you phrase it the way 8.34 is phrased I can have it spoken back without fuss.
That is 2.38
